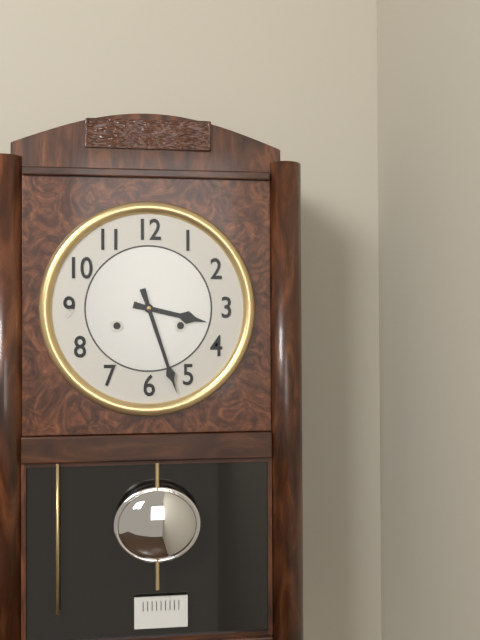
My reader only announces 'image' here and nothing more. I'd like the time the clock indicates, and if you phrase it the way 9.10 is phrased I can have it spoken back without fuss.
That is 3.27
